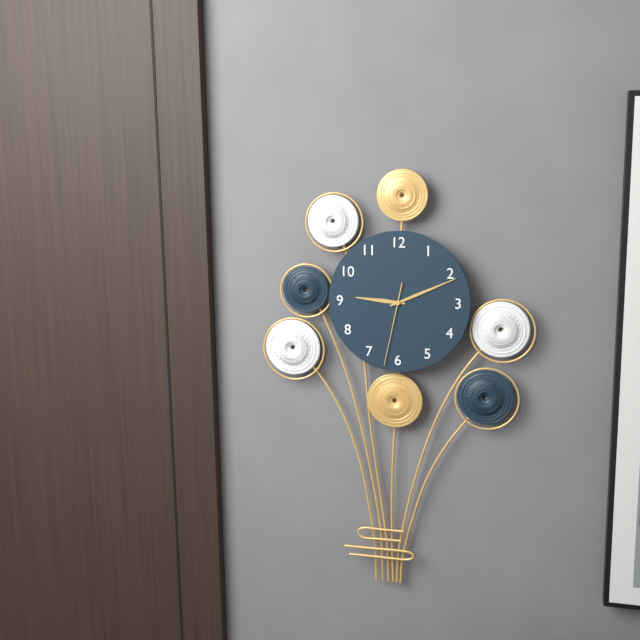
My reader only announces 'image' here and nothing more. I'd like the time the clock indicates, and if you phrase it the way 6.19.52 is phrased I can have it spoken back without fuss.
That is 9.11.32
